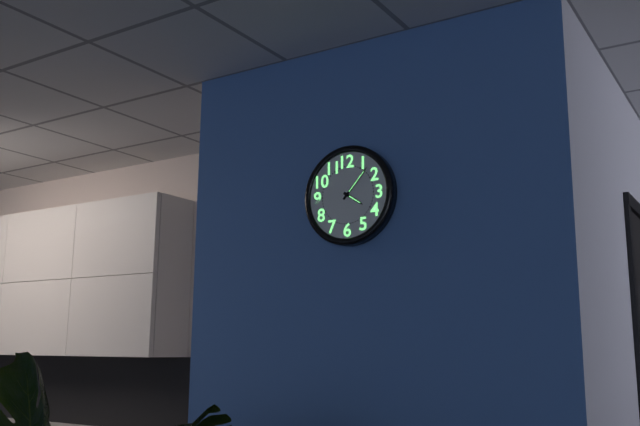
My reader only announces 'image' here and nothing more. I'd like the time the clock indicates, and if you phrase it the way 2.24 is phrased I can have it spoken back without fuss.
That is 4.07
